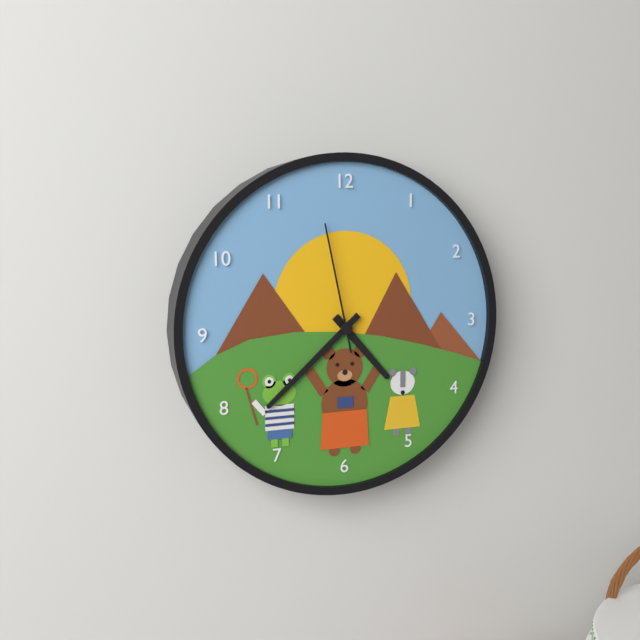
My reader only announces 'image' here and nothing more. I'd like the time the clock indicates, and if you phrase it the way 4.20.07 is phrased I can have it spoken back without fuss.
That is 4.38.58
